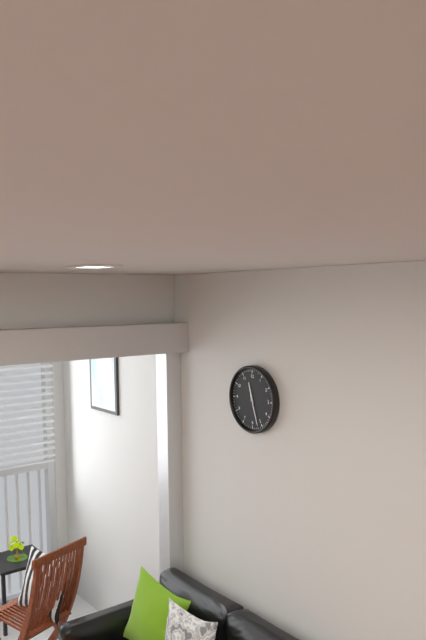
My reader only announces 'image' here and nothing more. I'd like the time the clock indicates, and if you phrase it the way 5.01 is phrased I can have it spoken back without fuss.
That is 11.27
